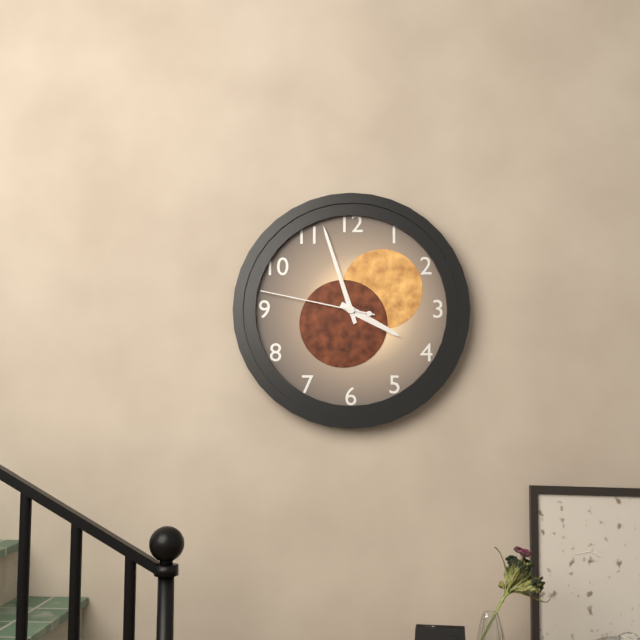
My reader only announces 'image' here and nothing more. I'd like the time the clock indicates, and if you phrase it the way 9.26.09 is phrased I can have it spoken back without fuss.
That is 3.57.47
